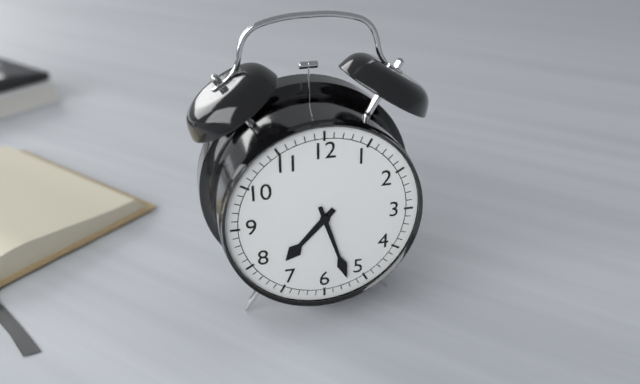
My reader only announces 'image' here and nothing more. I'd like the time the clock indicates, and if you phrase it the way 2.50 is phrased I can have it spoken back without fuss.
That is 7.27
